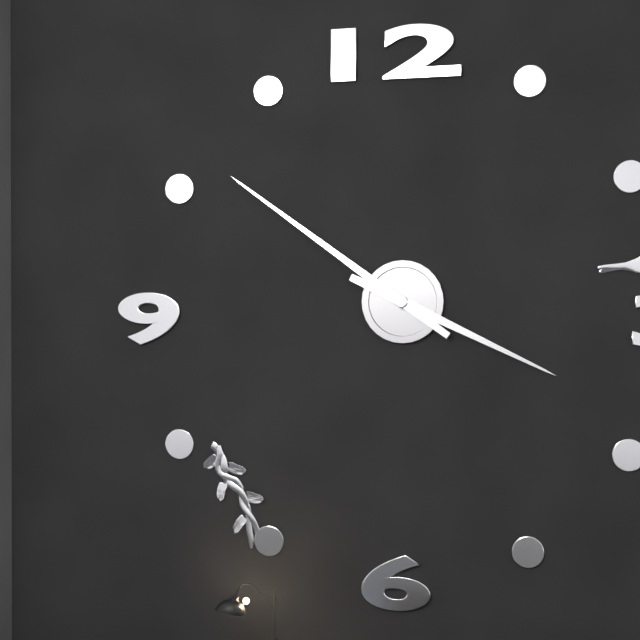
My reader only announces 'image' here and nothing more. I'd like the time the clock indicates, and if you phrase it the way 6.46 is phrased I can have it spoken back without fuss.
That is 3.51
